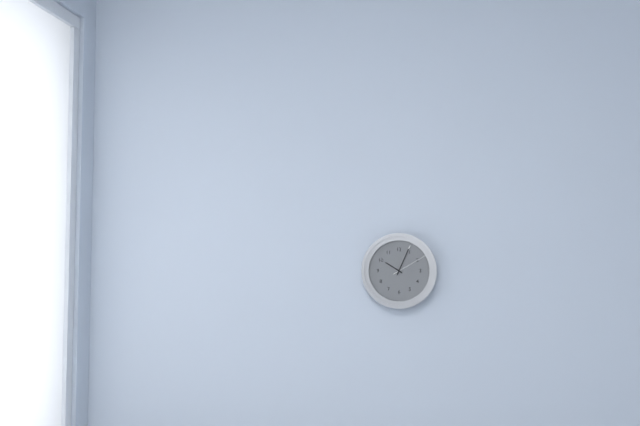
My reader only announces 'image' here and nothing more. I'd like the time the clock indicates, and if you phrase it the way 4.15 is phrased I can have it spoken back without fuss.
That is 10.04
